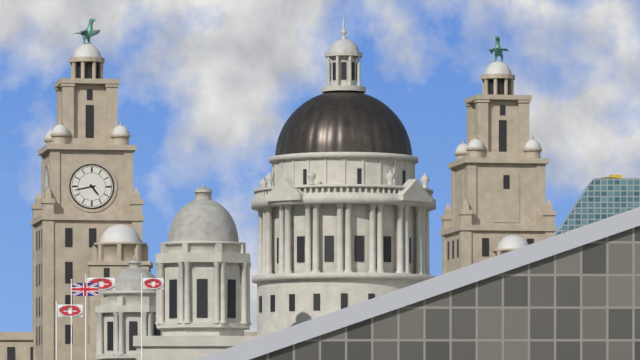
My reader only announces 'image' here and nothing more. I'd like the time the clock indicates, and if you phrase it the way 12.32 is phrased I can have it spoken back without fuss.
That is 4.43
